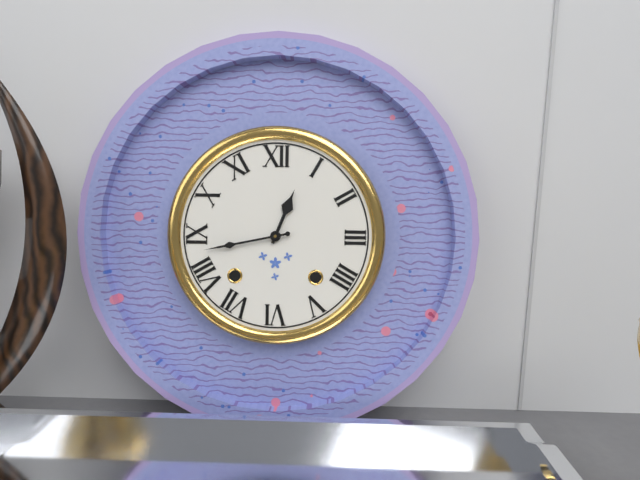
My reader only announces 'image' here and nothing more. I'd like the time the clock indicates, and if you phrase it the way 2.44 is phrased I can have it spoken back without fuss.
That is 12.43
